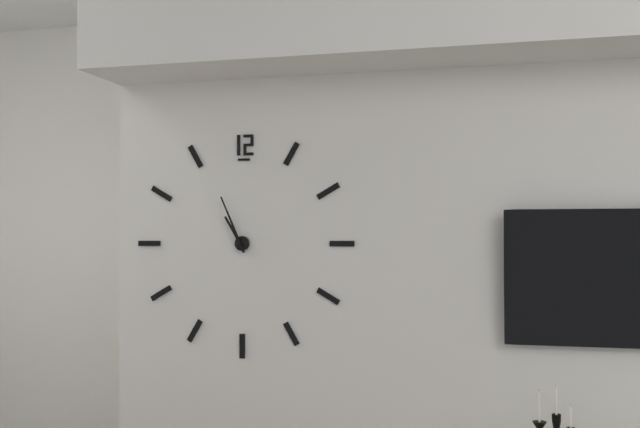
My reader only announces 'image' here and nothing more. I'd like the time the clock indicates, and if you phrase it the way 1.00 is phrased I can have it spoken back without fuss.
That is 10.56
